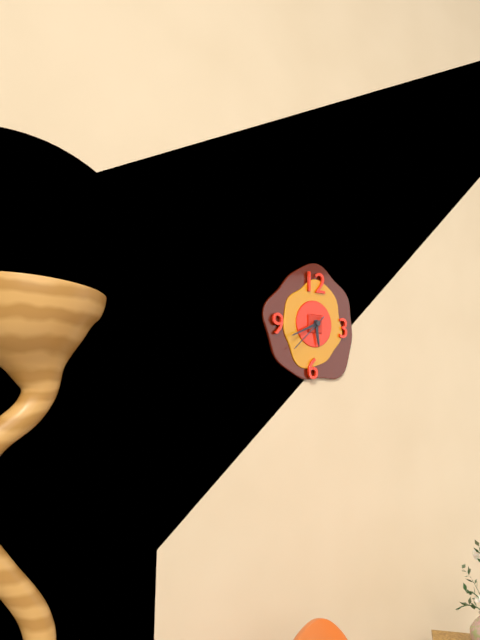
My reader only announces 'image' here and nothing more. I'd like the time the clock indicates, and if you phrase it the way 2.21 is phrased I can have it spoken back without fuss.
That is 5.41
